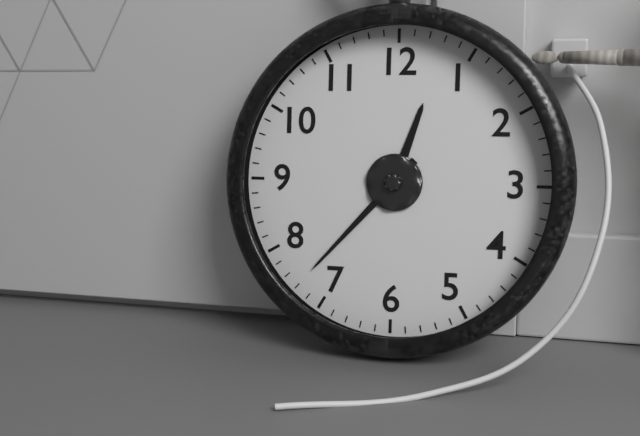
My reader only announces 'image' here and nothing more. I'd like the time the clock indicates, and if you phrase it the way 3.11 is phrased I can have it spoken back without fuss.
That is 12.37
